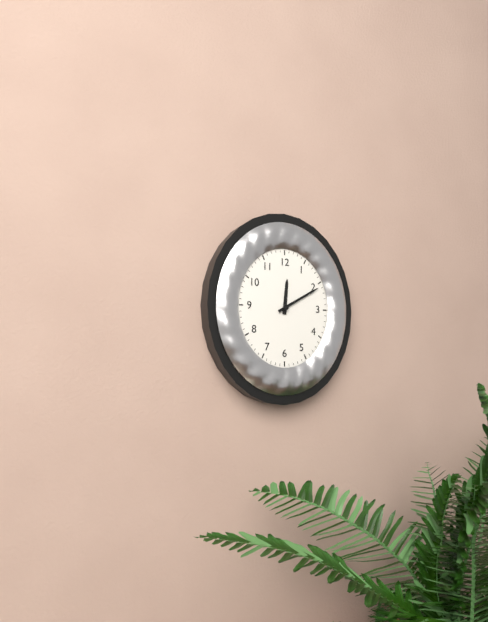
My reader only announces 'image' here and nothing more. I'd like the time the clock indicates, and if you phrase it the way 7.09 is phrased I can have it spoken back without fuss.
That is 12.10
